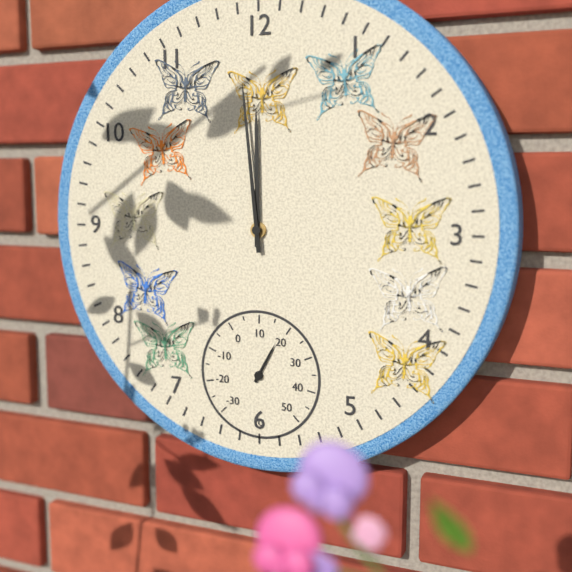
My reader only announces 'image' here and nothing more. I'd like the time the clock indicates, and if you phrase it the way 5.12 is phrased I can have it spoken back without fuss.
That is 11.59
